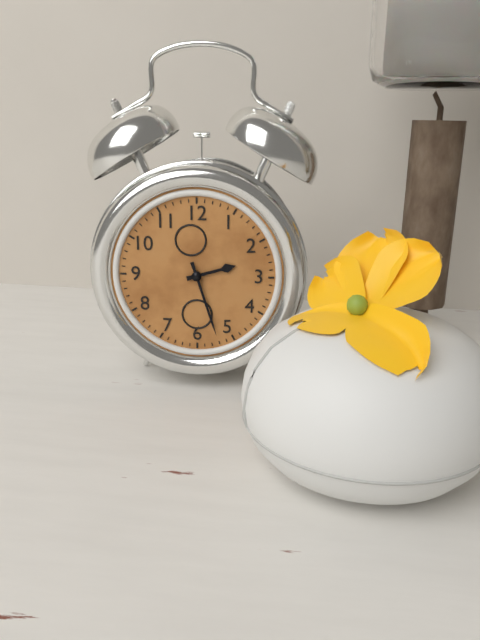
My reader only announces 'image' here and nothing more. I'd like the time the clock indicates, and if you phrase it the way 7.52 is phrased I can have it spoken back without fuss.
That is 2.27
